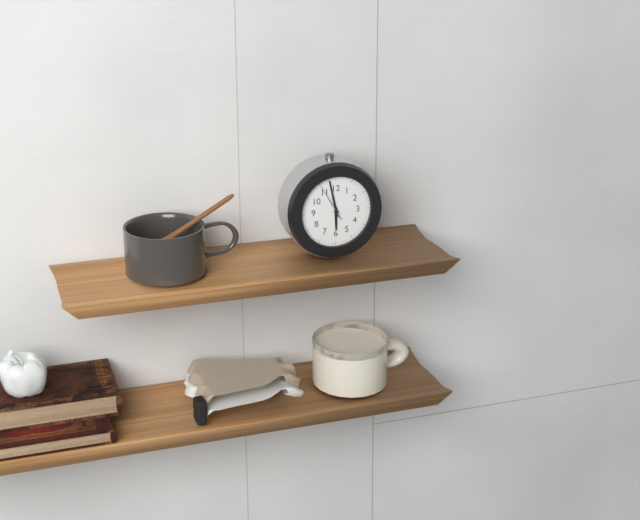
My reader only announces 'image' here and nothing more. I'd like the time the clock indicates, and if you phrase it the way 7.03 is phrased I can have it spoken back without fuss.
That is 5.58
